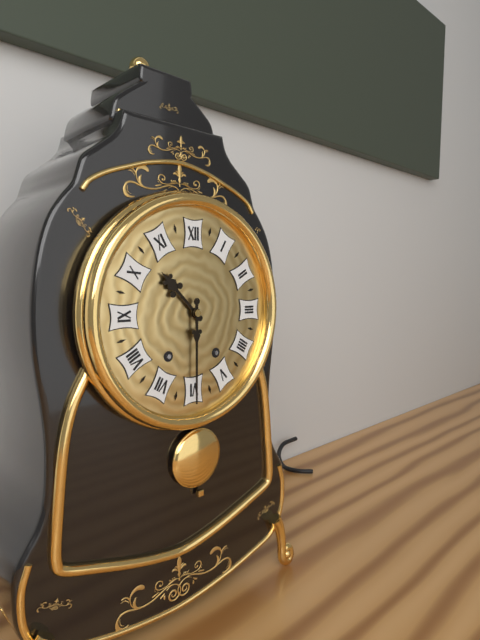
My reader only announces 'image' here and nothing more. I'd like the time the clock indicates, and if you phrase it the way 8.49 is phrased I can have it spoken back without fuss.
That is 10.30
